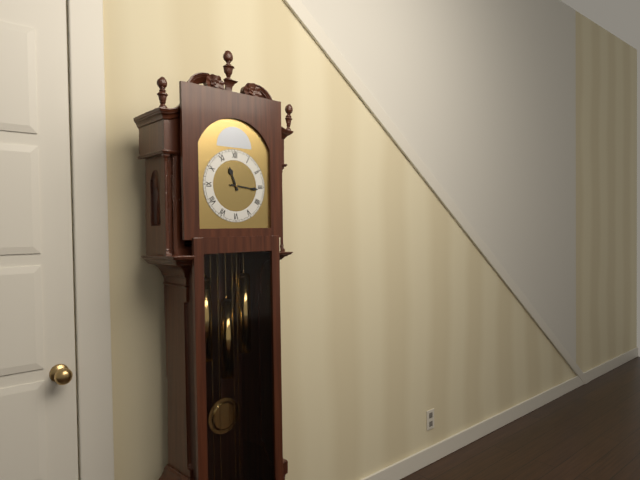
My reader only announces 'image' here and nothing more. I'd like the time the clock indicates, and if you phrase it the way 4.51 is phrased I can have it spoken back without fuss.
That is 11.16
